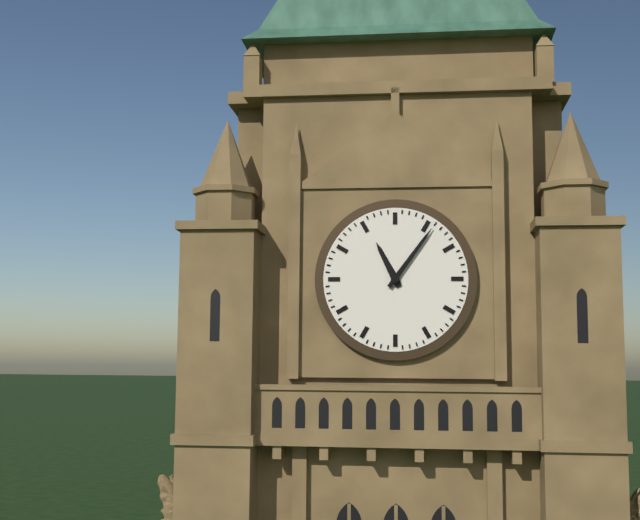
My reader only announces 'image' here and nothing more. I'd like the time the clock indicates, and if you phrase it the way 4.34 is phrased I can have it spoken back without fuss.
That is 11.06
